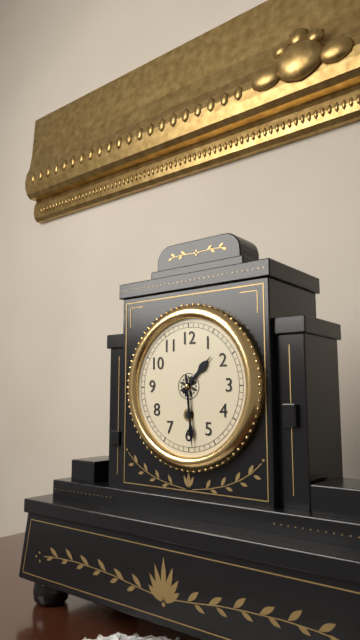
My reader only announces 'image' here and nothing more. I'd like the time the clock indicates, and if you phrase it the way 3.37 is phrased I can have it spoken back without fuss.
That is 1.29
